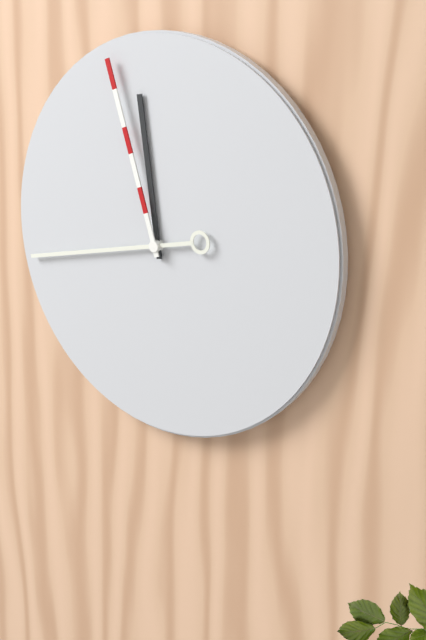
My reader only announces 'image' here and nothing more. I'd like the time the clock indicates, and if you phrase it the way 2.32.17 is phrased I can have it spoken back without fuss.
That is 11.43.57
